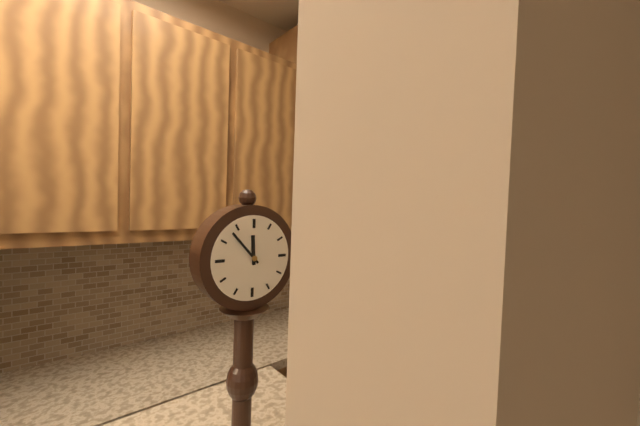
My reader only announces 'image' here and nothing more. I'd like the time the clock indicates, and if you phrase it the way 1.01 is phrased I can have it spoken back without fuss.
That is 11.53
